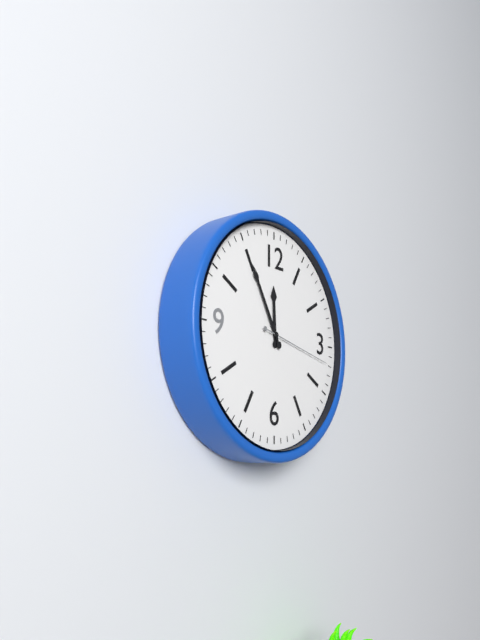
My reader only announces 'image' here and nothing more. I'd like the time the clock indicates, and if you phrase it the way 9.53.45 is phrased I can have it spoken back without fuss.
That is 11.55.17
